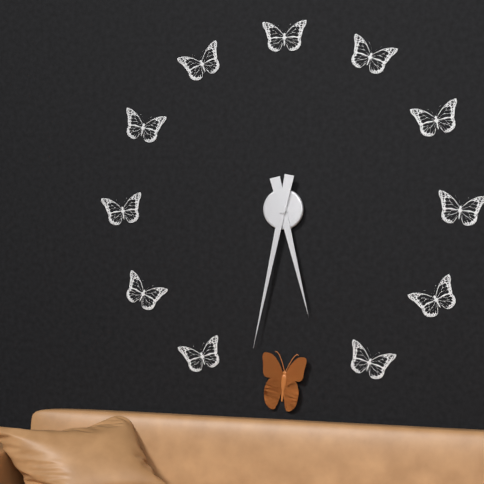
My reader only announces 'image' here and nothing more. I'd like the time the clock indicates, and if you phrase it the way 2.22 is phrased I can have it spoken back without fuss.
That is 5.32
